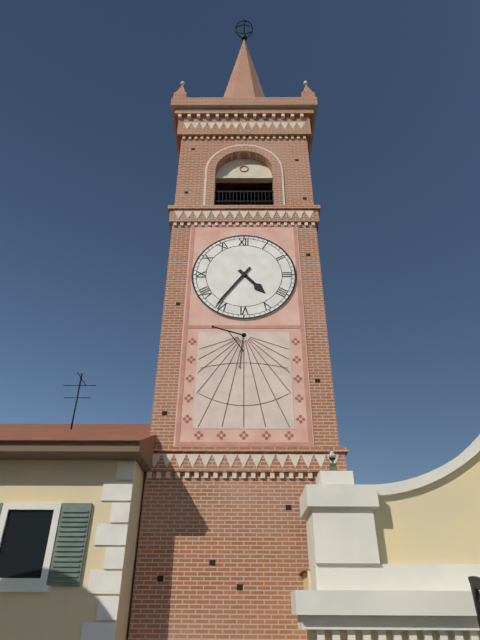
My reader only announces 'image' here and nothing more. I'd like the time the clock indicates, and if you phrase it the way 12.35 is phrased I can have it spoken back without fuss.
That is 4.36
